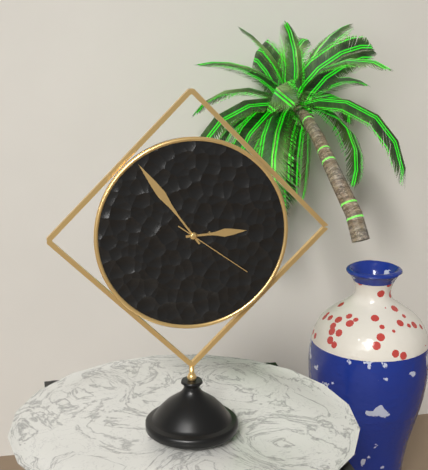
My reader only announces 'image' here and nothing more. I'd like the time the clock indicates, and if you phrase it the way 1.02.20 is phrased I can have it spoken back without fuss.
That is 2.54.21
